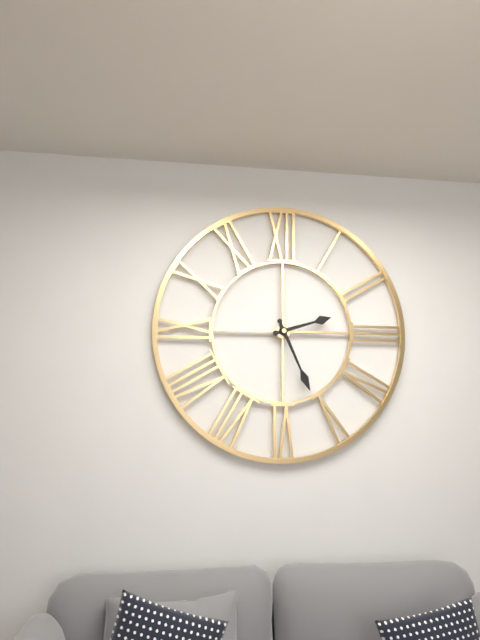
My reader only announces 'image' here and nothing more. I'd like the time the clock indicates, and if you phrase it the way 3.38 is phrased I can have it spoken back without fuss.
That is 2.26
